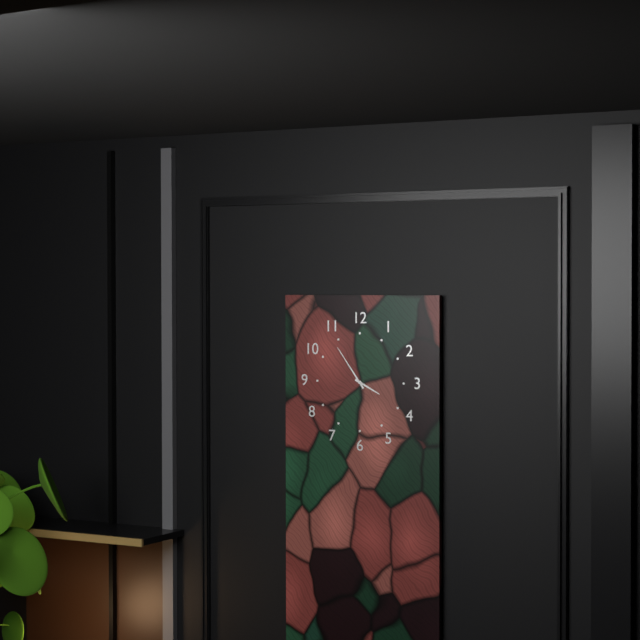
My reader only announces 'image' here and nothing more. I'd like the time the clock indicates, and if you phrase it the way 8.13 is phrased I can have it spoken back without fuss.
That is 3.54
